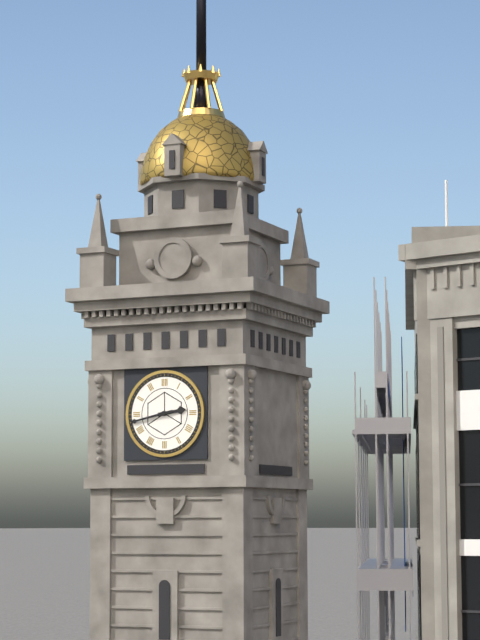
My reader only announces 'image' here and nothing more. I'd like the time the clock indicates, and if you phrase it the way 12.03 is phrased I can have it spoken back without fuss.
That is 2.43
